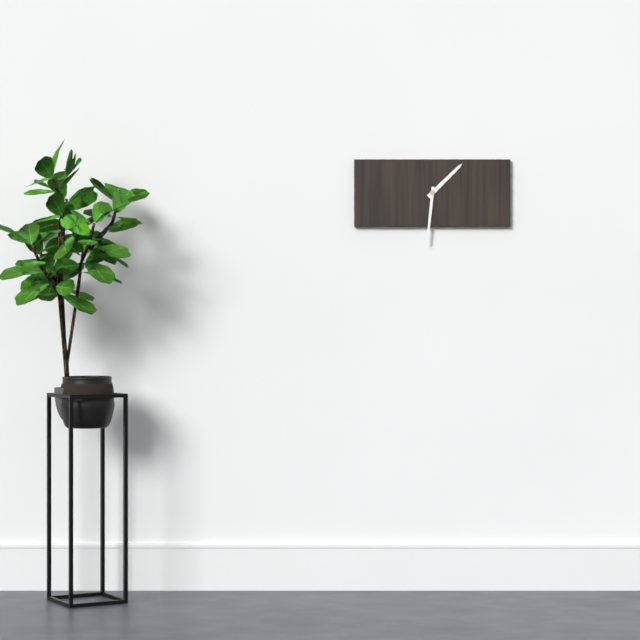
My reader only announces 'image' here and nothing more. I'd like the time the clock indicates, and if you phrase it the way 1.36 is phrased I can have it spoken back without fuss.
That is 1.31
